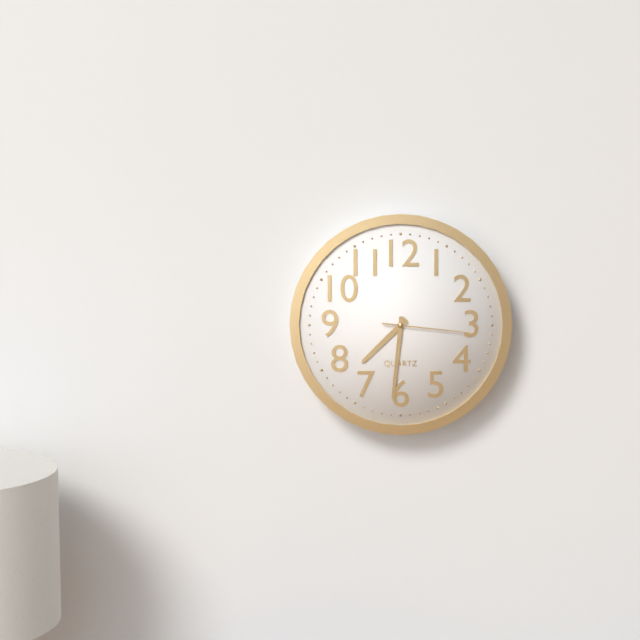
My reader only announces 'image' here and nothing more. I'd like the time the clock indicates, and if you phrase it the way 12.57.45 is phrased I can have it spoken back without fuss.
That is 7.31.16
